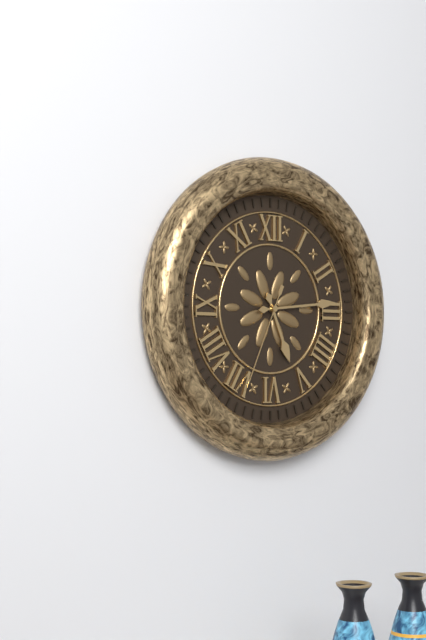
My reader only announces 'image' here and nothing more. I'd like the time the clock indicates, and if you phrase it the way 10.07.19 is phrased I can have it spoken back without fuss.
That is 5.14.34
